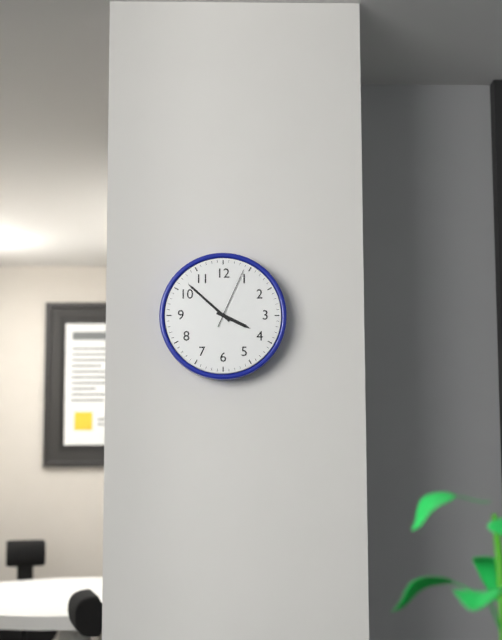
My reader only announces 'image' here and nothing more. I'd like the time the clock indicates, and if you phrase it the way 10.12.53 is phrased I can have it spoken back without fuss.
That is 3.52.04
